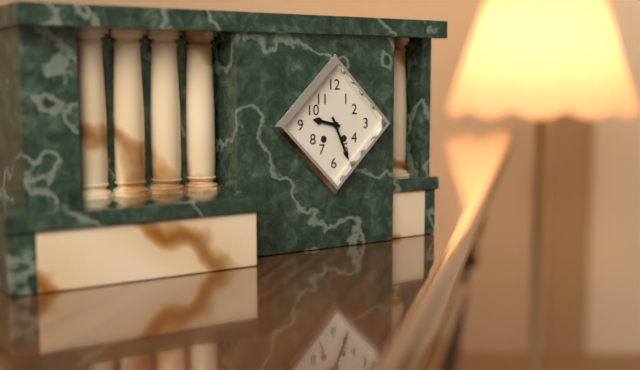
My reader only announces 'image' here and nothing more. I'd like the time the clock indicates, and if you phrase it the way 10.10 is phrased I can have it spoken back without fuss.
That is 9.26
